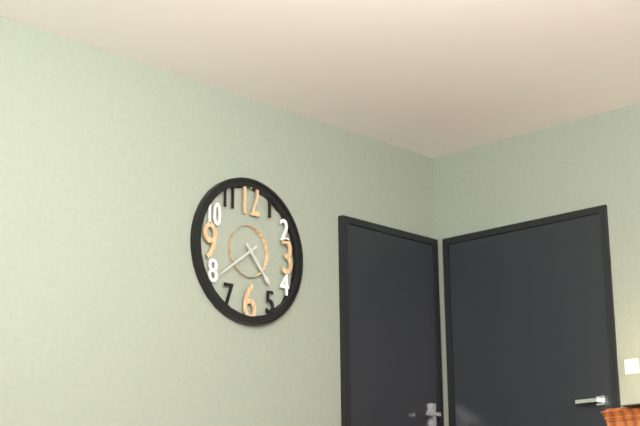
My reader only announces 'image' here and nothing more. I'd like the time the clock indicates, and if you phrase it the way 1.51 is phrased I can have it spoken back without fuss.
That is 4.39
